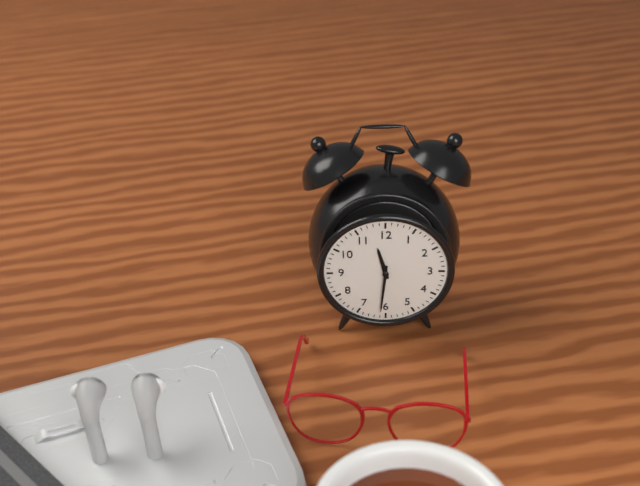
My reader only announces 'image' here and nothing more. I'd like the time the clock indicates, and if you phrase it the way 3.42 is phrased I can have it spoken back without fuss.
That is 11.31
